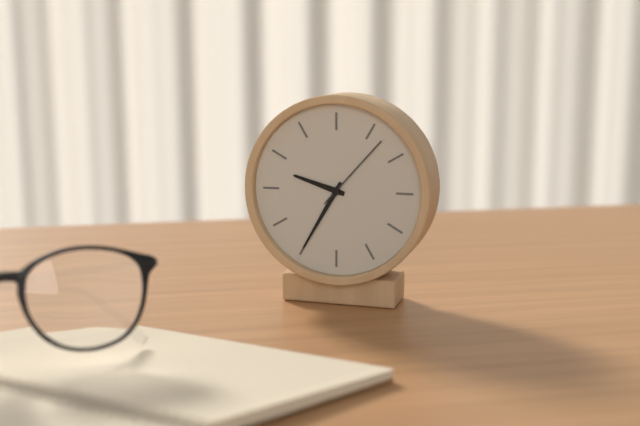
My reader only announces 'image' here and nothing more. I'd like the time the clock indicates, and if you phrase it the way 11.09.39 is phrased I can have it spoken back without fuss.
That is 9.35.07
